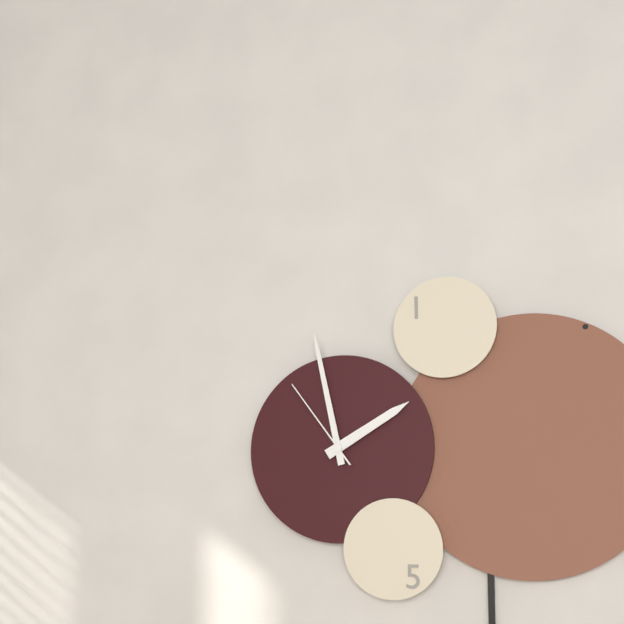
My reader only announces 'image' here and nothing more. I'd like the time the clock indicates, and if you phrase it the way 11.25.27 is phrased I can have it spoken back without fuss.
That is 1.58.54
